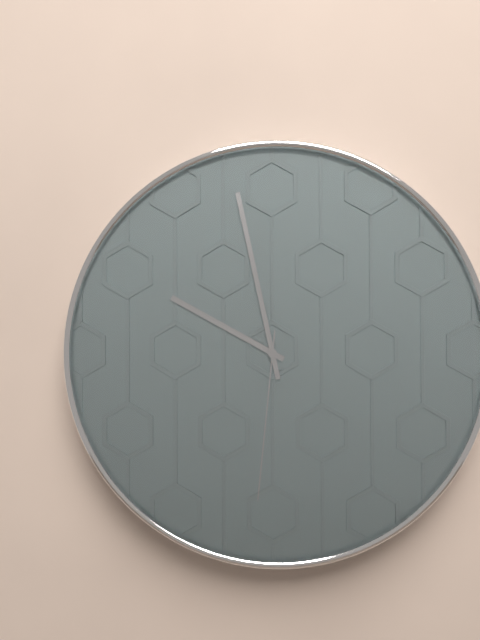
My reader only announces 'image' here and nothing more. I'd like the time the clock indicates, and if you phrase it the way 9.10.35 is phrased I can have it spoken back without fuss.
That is 9.58.31
